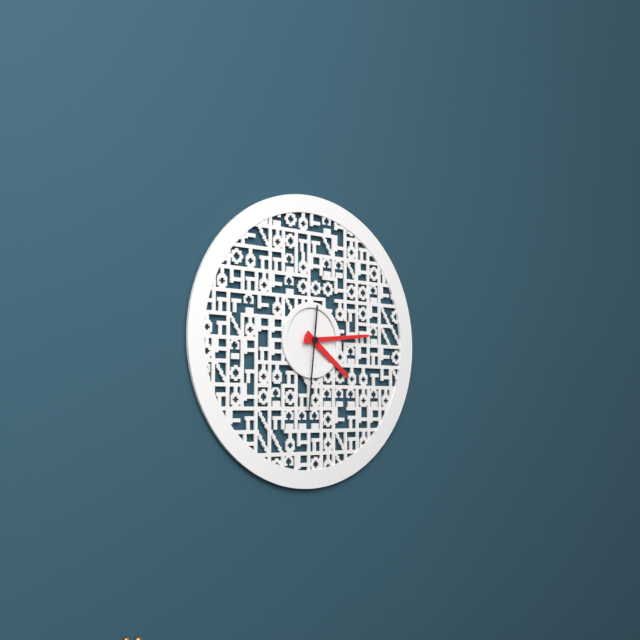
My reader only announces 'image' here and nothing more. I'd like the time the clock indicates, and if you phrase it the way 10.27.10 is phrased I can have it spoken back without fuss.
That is 4.14.31
